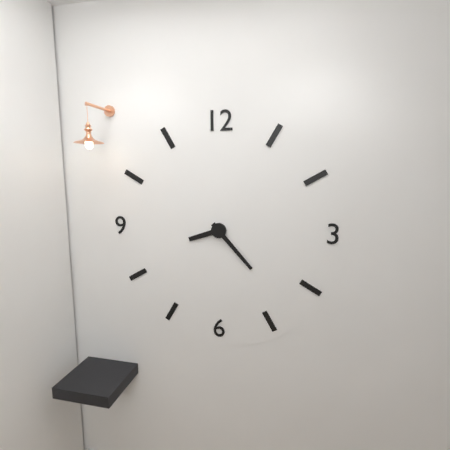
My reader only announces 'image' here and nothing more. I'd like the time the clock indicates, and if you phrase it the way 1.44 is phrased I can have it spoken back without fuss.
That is 8.23
